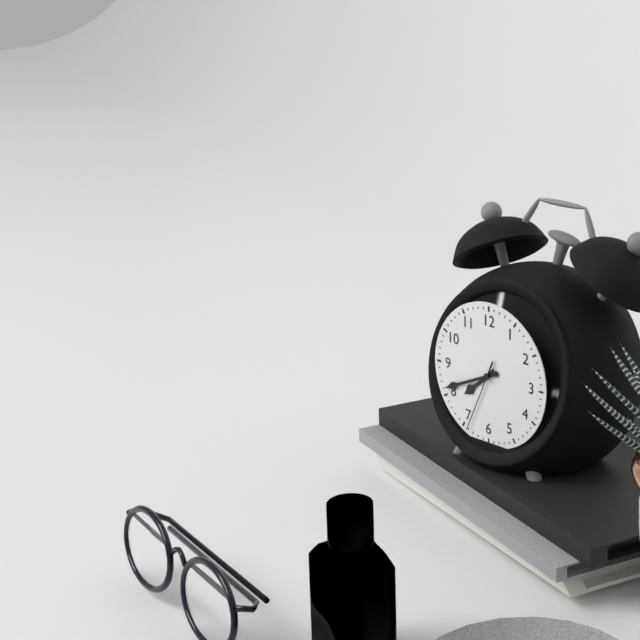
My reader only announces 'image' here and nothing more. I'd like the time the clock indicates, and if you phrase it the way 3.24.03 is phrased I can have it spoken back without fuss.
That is 7.41.34
